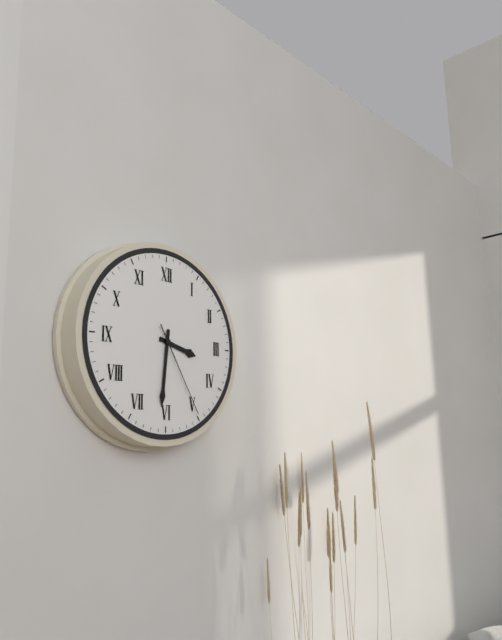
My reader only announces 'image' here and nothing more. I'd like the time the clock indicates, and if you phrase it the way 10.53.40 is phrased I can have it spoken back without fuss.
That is 3.31.25
